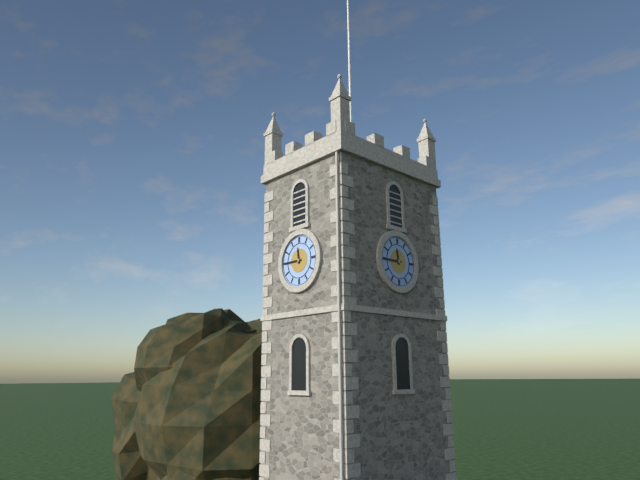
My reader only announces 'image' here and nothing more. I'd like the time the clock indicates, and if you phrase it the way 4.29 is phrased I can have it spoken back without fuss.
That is 11.45
